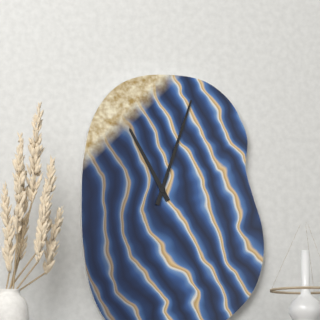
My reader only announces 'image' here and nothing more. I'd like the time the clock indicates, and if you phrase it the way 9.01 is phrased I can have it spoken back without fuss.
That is 11.03
